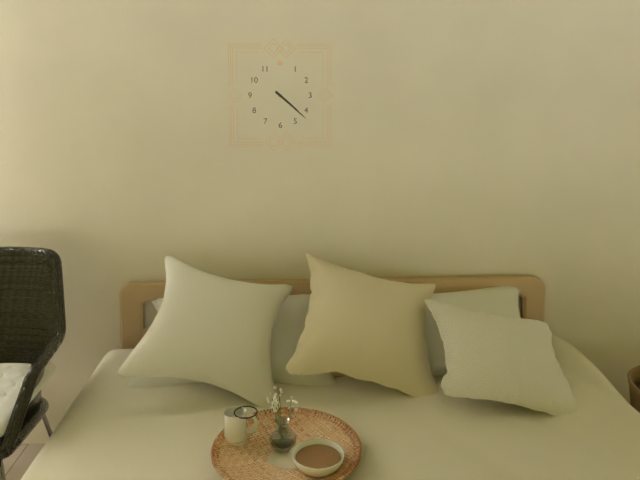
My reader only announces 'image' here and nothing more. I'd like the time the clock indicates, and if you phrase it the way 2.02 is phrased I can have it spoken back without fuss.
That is 4.22
